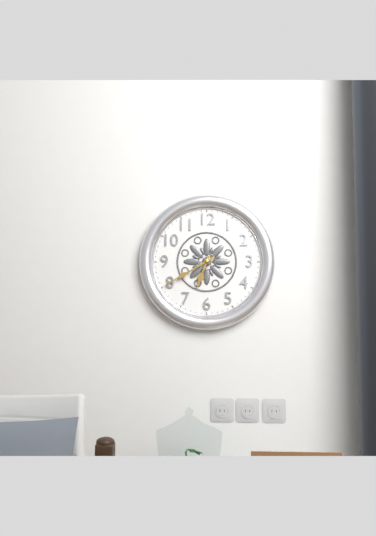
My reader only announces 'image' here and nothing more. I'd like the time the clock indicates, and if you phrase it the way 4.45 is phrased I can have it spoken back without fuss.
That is 6.40
